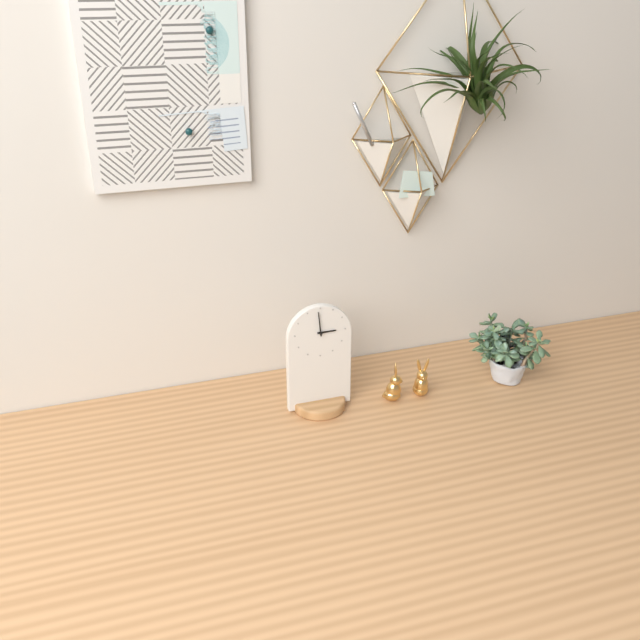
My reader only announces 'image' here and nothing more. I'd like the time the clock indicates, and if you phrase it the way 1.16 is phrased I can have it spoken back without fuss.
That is 2.59
